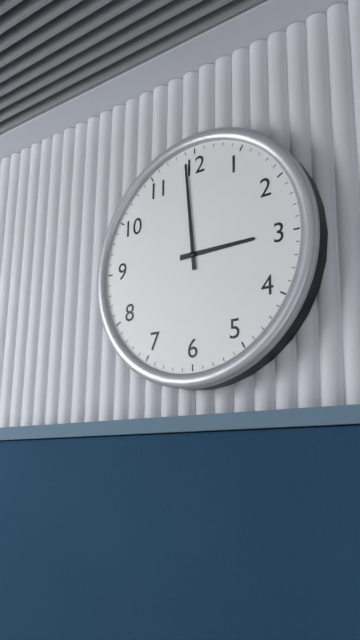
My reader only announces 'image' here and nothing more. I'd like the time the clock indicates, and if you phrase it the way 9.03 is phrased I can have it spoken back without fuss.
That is 2.59
